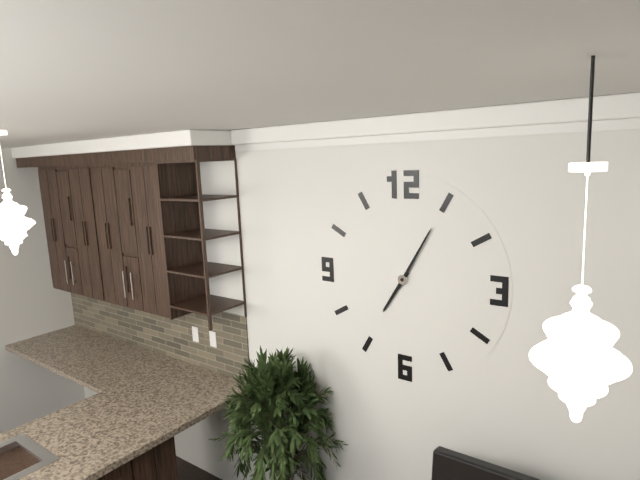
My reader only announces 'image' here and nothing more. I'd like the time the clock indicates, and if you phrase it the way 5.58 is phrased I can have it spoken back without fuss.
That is 7.05
